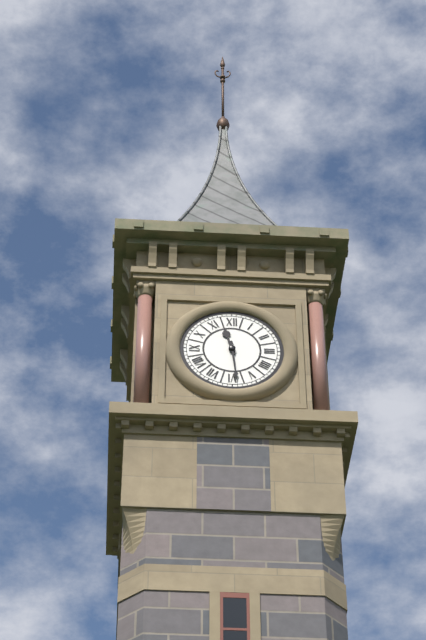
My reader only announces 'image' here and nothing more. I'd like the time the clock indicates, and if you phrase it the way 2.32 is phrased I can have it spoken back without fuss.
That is 11.29
